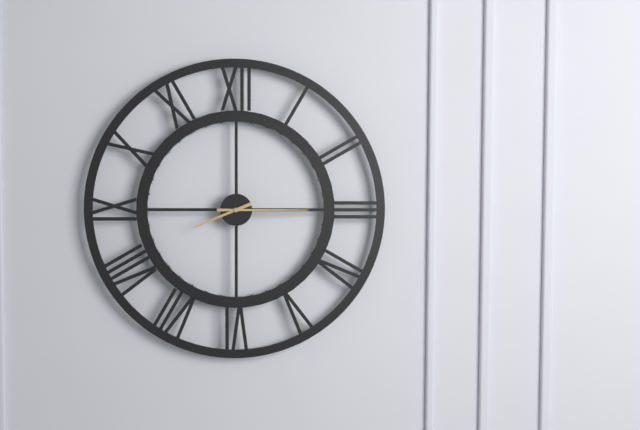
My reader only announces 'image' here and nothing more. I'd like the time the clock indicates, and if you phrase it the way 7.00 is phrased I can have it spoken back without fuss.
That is 8.15
